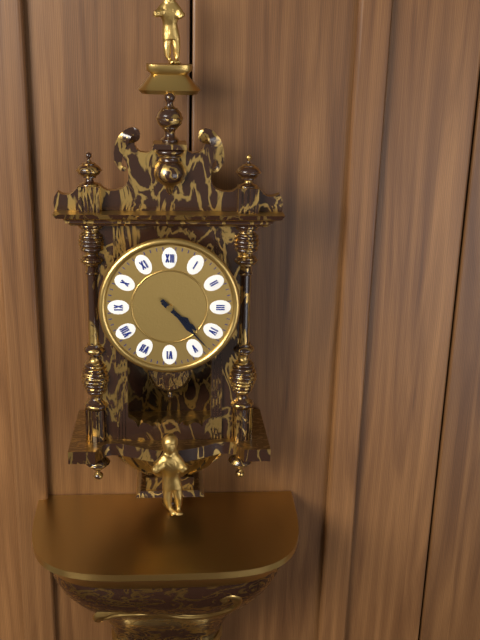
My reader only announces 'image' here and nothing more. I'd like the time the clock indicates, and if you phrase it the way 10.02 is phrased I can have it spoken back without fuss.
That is 4.23
